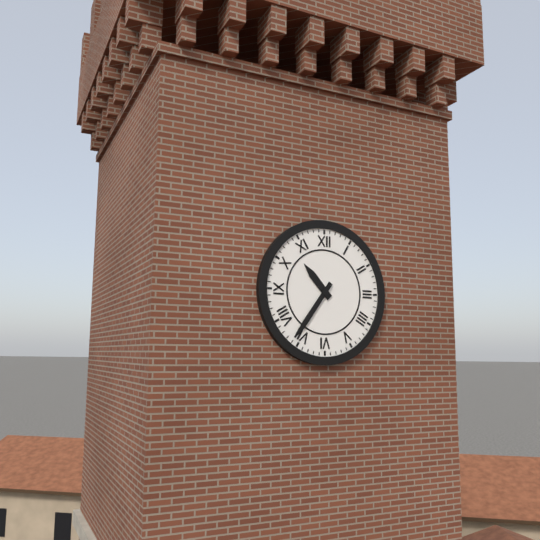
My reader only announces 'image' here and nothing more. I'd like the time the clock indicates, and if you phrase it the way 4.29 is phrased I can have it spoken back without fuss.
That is 10.36
